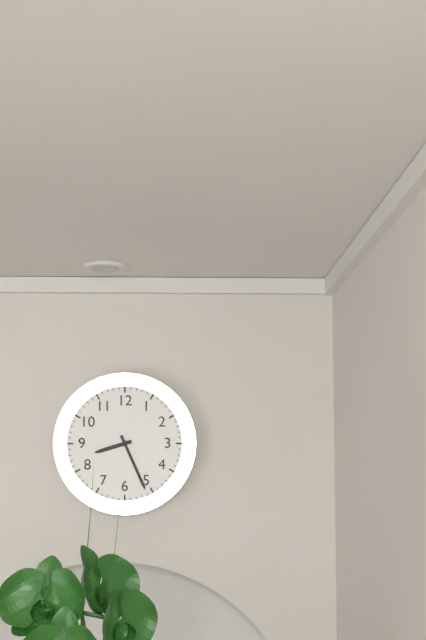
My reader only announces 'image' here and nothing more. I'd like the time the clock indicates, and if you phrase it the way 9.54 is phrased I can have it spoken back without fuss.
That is 8.26
